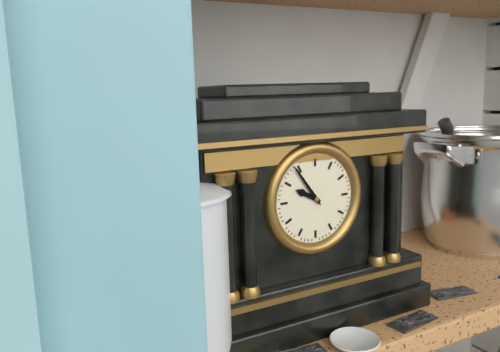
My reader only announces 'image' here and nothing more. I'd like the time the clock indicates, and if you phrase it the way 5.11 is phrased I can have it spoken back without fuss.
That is 9.54
